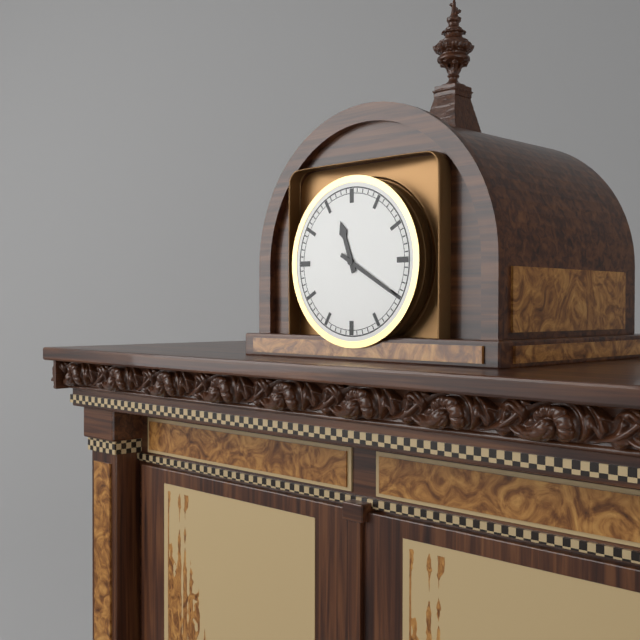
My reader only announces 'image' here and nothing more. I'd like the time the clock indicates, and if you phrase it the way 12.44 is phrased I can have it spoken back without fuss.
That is 11.20
